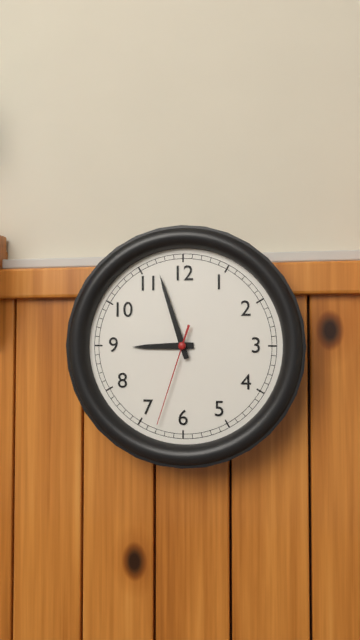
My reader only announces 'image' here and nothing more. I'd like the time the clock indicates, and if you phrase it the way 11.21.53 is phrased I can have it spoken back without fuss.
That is 8.57.33
